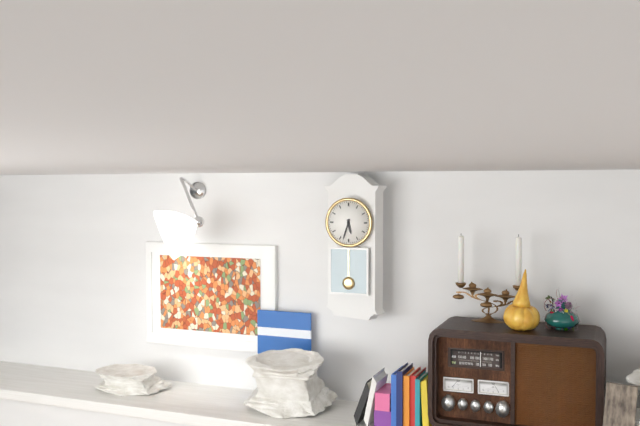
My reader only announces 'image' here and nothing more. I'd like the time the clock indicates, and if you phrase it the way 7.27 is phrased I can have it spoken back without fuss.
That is 5.33
